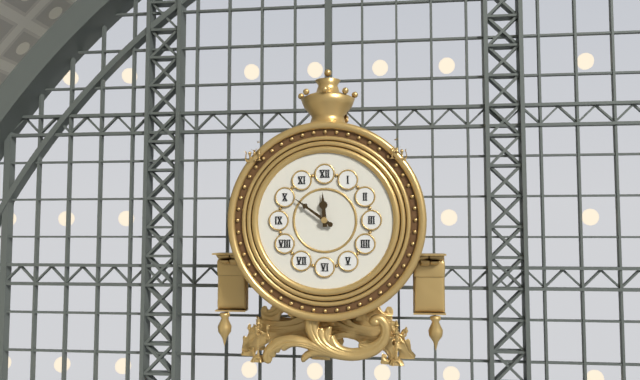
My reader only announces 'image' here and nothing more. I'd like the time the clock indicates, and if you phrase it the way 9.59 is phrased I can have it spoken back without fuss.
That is 11.51
